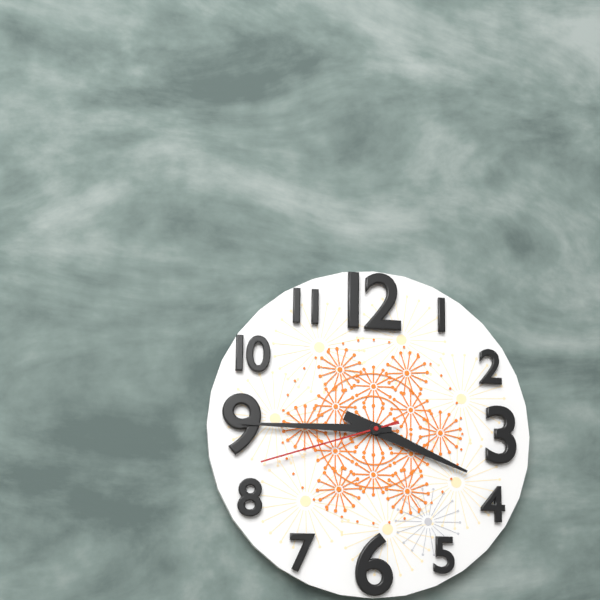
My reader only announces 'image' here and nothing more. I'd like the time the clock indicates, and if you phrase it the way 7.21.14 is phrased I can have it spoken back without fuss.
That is 3.45.42
